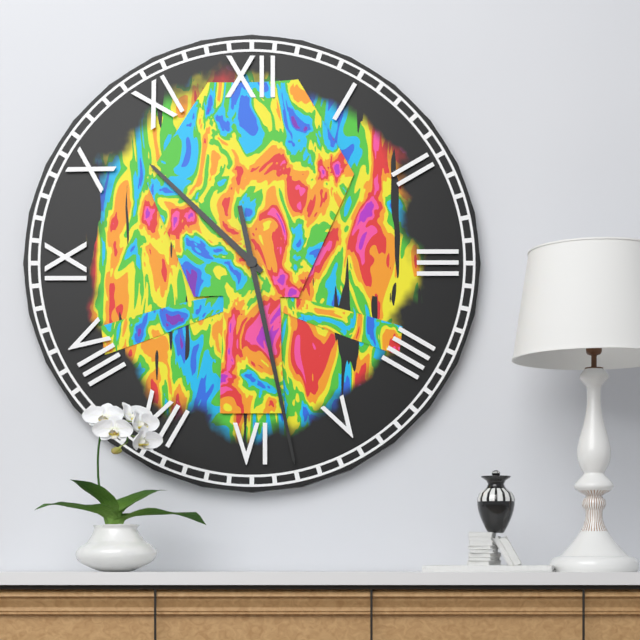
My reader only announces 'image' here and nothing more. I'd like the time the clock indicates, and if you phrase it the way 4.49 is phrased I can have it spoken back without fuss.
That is 10.28
